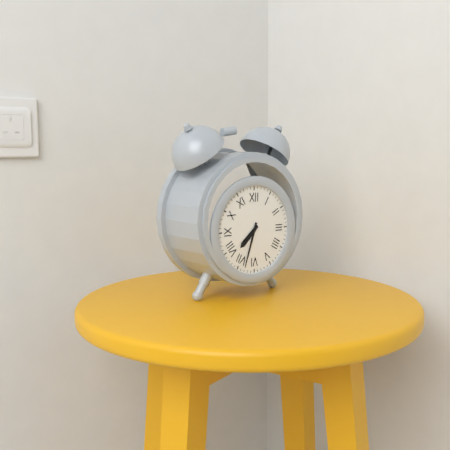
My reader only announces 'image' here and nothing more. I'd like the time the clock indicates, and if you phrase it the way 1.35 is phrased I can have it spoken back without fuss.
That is 7.33
